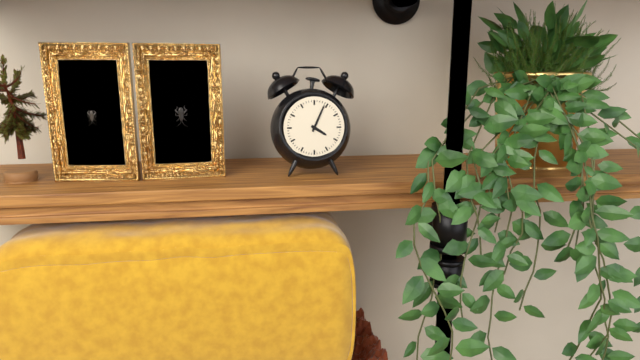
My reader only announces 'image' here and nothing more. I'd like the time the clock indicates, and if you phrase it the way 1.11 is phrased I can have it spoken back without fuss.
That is 4.04
